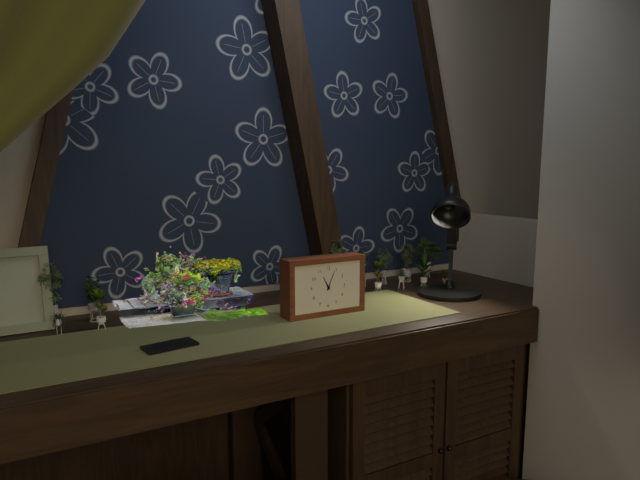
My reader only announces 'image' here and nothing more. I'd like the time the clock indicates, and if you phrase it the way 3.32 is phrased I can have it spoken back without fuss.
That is 11.04
